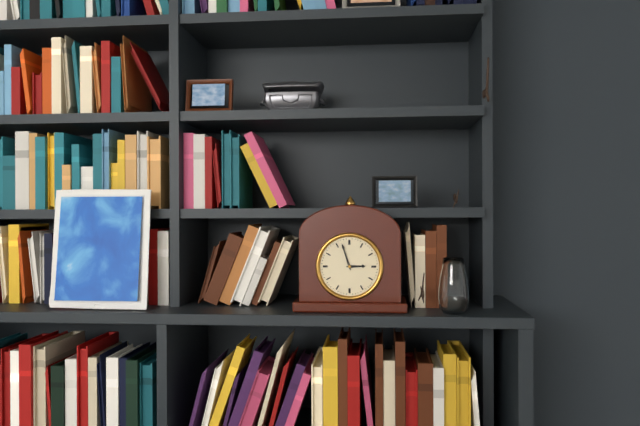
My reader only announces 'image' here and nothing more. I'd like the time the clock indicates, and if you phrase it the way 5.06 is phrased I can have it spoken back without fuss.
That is 2.57
